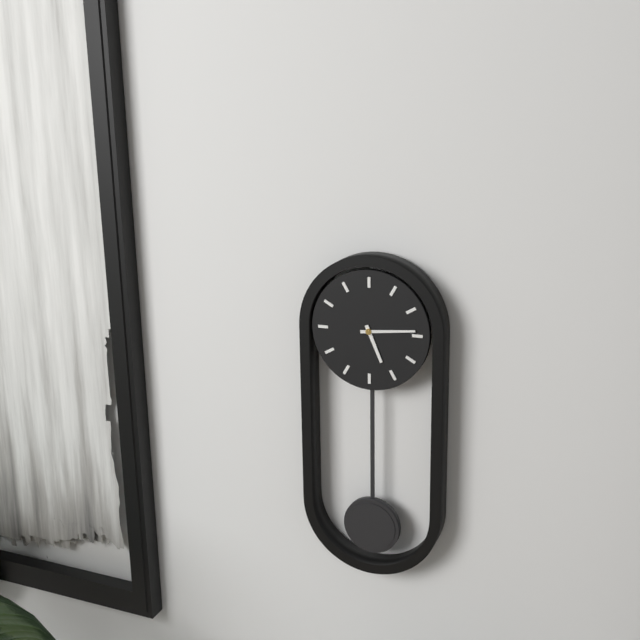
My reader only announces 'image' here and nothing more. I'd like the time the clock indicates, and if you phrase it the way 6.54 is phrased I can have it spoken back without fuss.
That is 5.14
